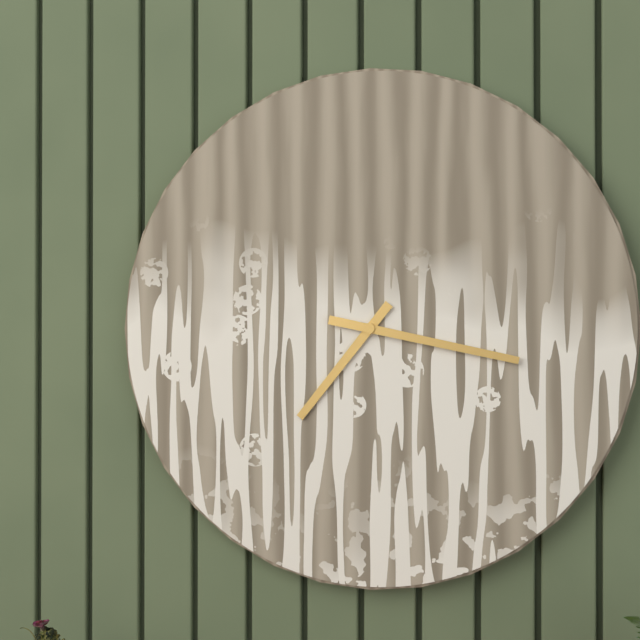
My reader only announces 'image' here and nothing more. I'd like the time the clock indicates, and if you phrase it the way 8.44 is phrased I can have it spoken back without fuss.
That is 7.17
